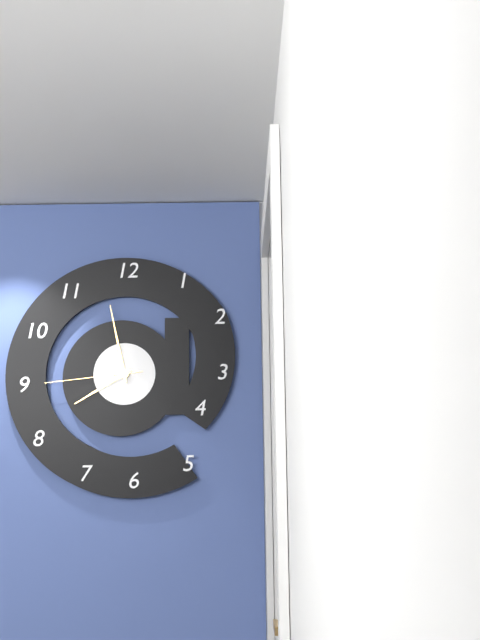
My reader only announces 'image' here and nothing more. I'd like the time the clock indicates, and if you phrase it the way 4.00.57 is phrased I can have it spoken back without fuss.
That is 7.58.44
